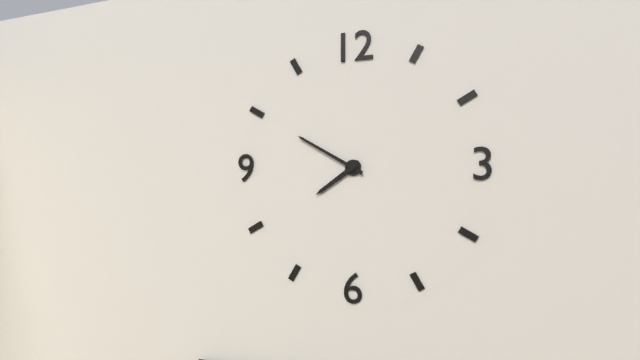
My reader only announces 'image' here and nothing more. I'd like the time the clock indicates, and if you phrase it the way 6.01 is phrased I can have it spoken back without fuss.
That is 7.50
